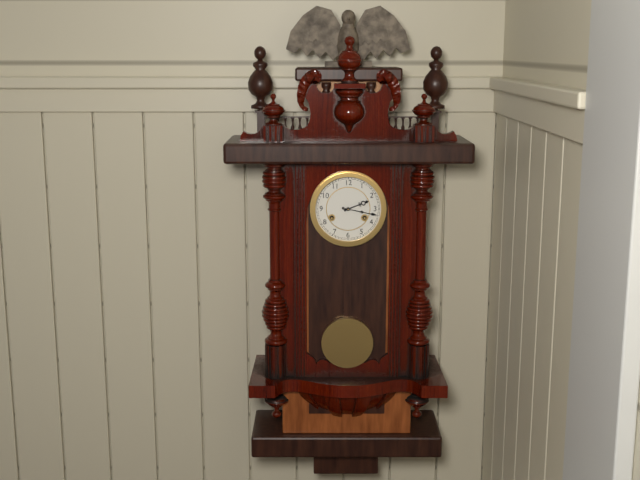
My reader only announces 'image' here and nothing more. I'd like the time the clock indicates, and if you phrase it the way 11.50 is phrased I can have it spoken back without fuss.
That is 2.17
